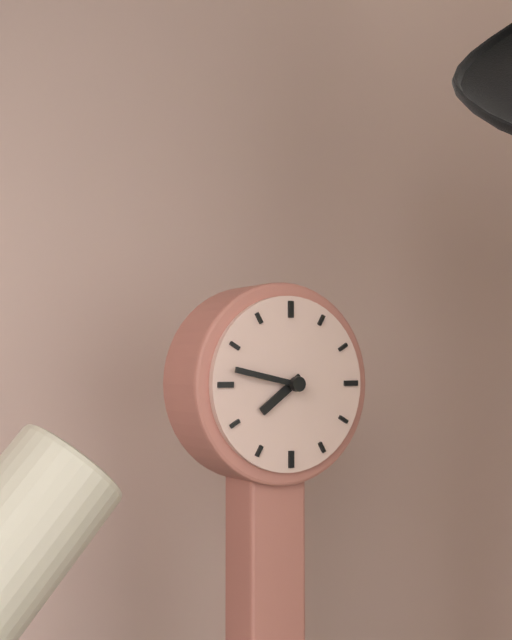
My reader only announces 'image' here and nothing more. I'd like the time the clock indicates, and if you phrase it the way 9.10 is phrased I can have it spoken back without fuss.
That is 7.47
